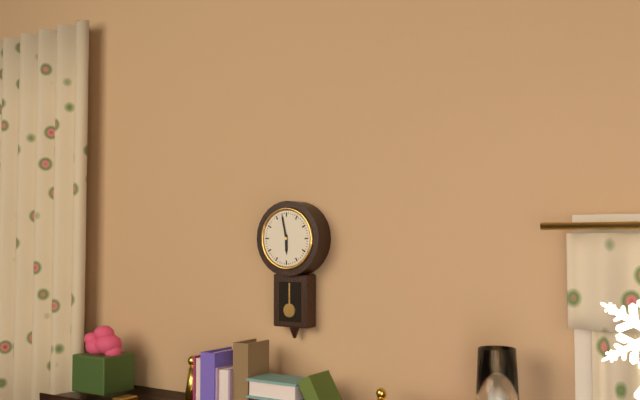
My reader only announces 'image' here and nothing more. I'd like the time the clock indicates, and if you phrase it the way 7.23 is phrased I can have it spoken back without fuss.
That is 5.58
